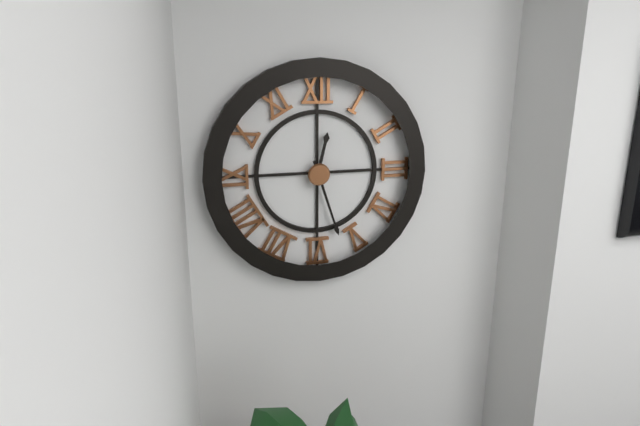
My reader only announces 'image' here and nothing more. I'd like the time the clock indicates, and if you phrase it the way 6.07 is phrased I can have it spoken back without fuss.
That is 12.27
